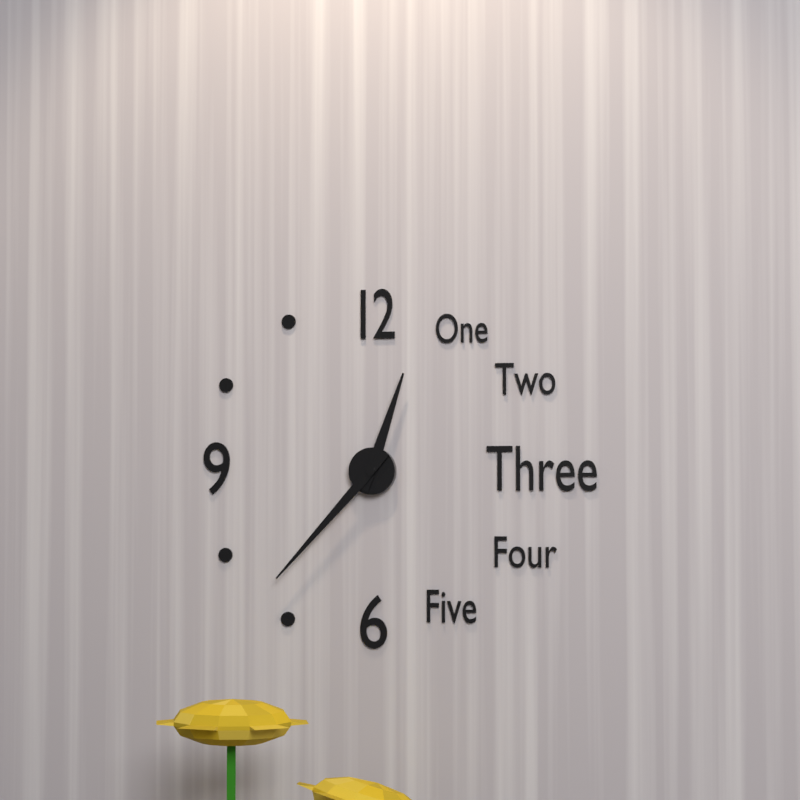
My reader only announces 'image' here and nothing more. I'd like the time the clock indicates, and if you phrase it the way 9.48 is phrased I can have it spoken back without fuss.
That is 12.37
